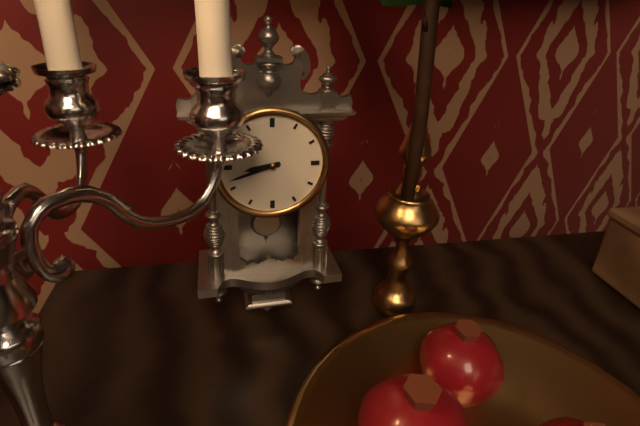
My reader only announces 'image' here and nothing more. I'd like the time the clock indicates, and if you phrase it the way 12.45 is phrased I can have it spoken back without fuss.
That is 8.42
